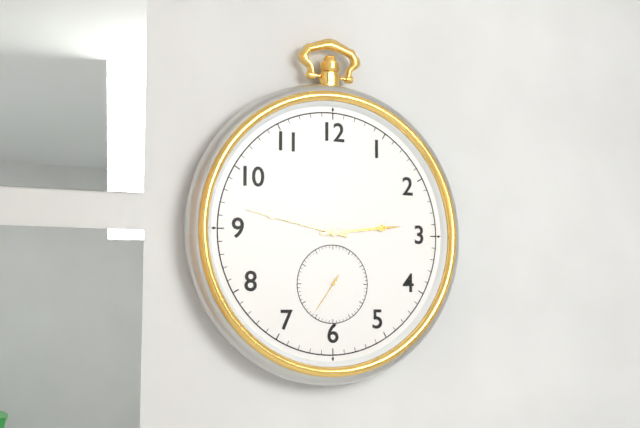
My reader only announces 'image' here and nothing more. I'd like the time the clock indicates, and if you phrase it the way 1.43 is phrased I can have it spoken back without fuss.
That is 2.47
